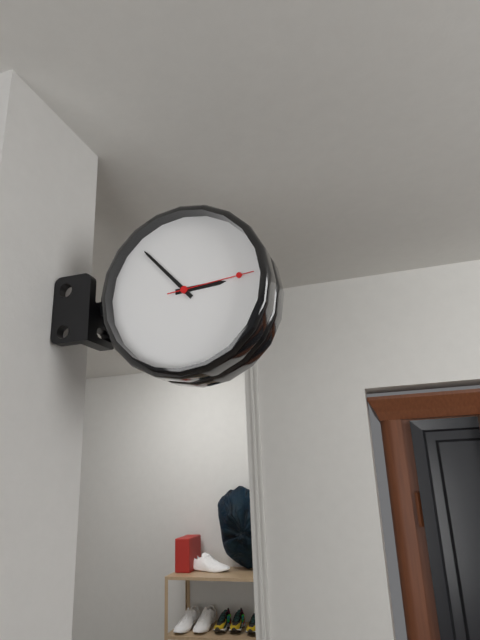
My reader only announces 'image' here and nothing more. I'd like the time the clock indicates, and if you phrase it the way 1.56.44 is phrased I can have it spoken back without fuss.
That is 2.53.14
